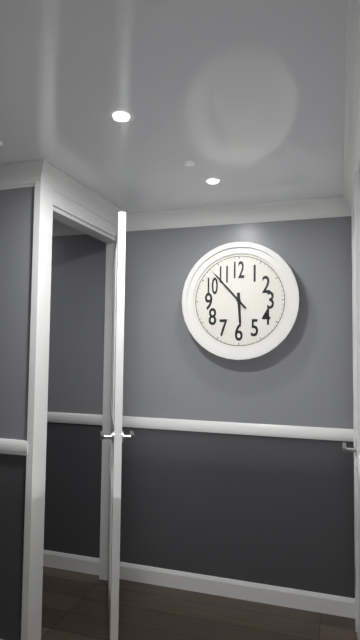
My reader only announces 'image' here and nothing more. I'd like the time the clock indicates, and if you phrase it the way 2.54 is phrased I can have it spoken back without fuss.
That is 5.53
